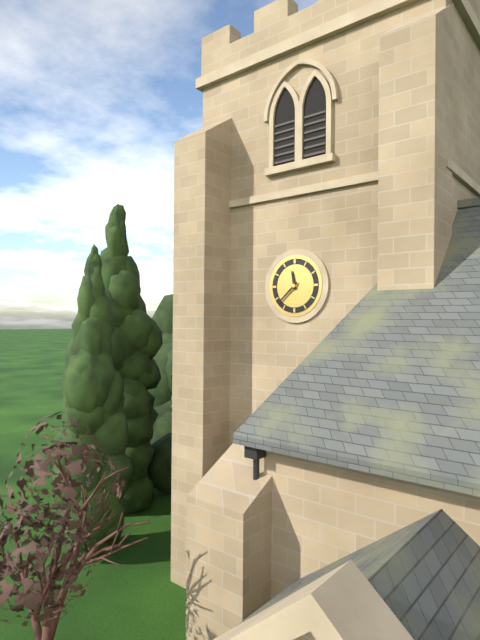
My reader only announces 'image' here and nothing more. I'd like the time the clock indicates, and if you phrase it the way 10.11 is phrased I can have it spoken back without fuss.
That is 11.38
